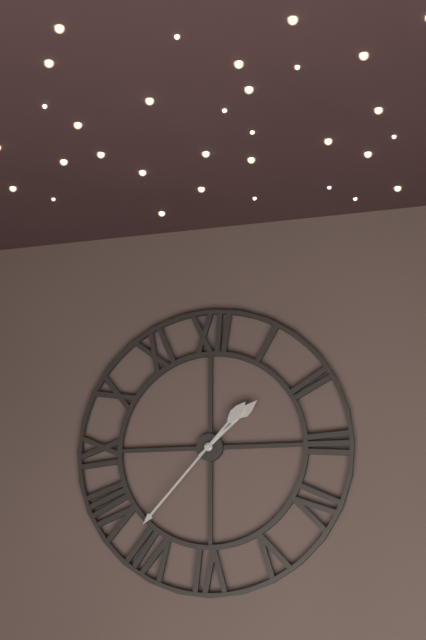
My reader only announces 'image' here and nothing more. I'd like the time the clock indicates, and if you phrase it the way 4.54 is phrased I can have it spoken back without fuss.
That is 1.37
